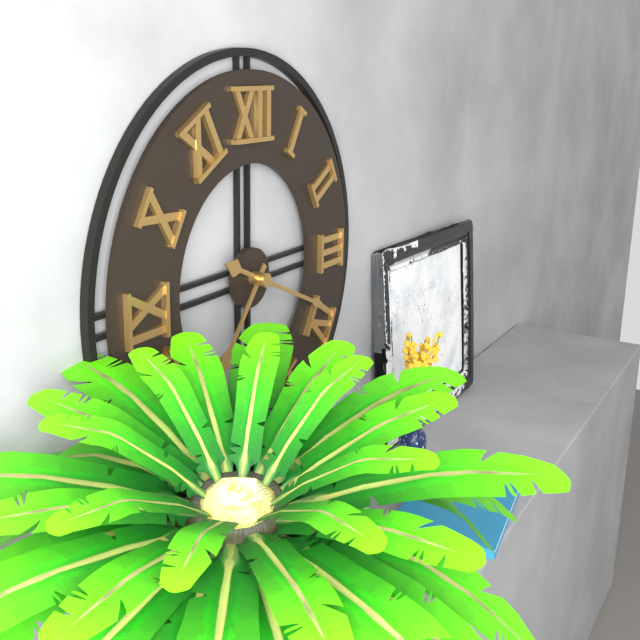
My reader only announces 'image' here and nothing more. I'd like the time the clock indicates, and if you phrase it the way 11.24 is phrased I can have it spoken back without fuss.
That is 7.19
